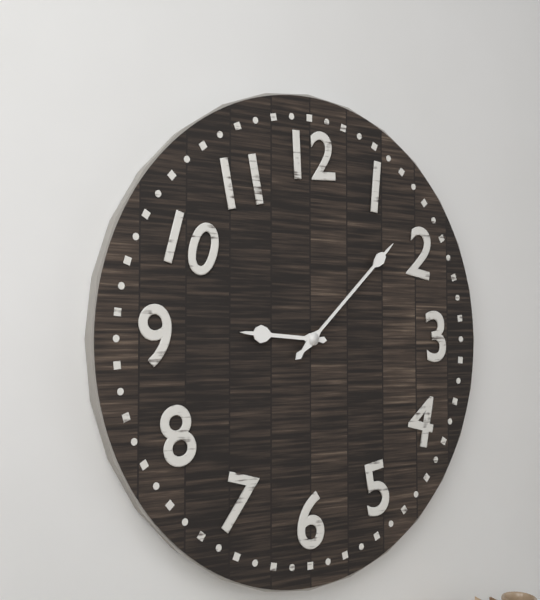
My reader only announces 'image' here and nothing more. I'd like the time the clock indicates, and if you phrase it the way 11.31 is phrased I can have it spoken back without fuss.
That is 9.08
